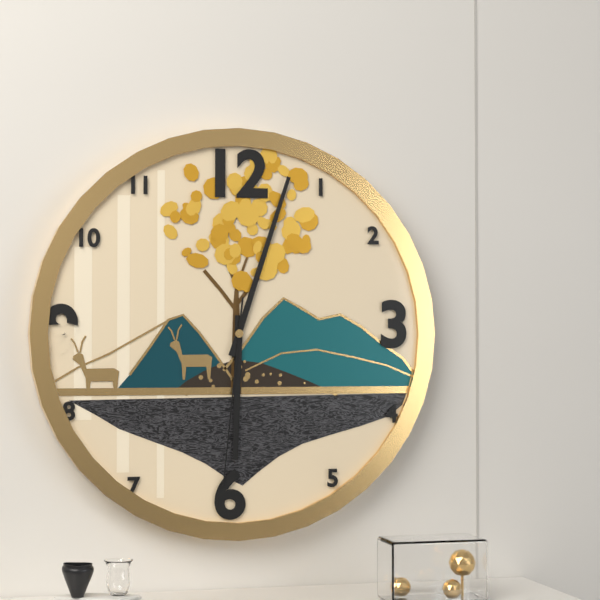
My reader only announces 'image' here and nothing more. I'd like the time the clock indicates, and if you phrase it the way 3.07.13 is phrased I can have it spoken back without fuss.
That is 6.03.31
